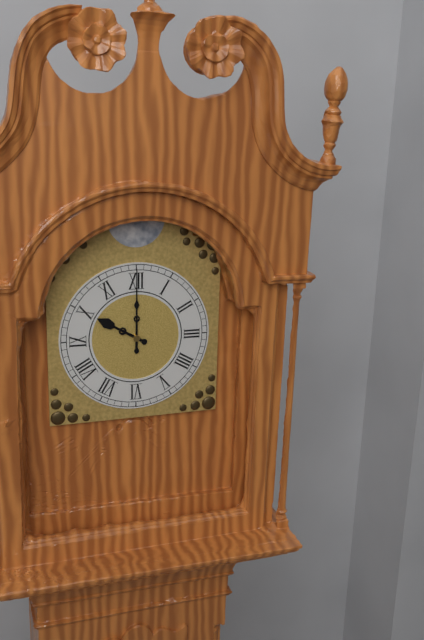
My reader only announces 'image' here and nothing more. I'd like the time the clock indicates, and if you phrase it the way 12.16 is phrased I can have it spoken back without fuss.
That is 10.00
